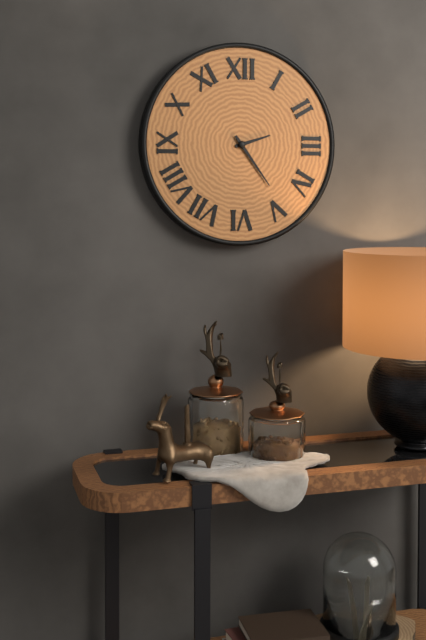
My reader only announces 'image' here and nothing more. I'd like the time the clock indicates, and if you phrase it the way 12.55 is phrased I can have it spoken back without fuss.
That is 2.24
